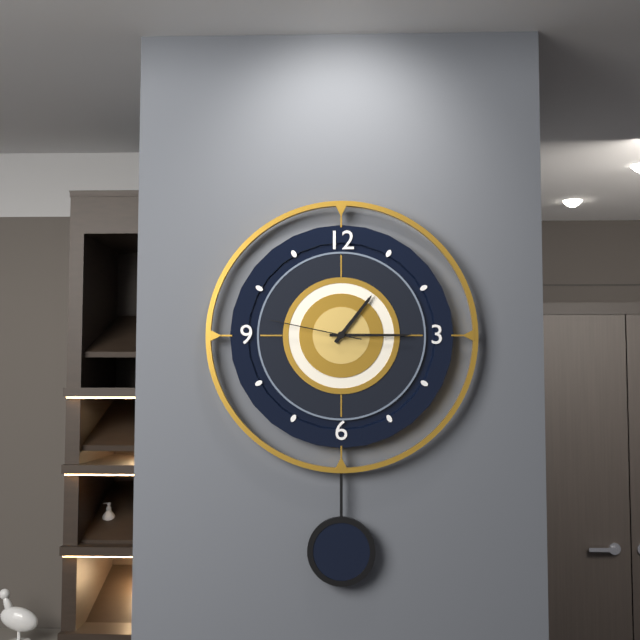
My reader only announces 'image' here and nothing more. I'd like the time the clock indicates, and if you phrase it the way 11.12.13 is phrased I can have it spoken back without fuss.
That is 1.15.47
